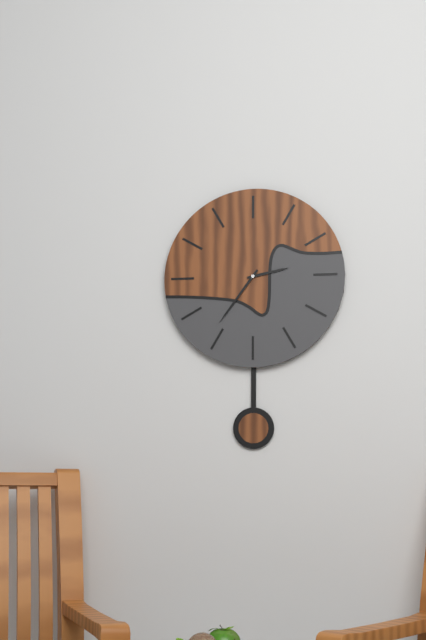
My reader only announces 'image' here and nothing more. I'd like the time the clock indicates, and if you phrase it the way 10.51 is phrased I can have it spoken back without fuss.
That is 2.36
